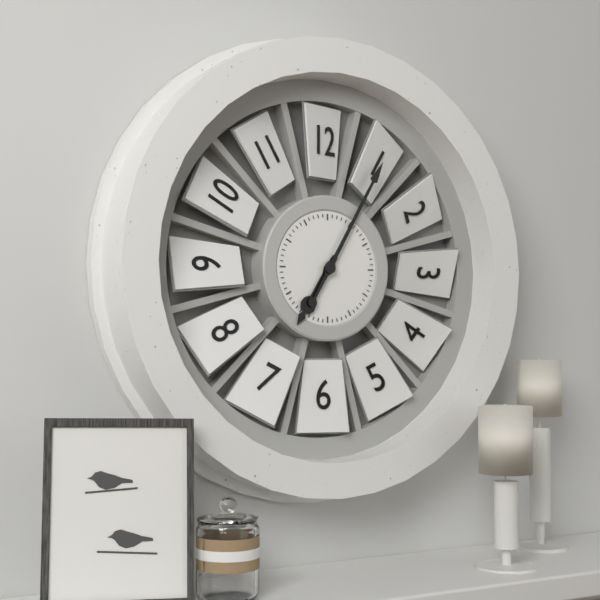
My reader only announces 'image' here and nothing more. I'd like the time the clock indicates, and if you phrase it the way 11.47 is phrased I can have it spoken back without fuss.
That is 7.05
